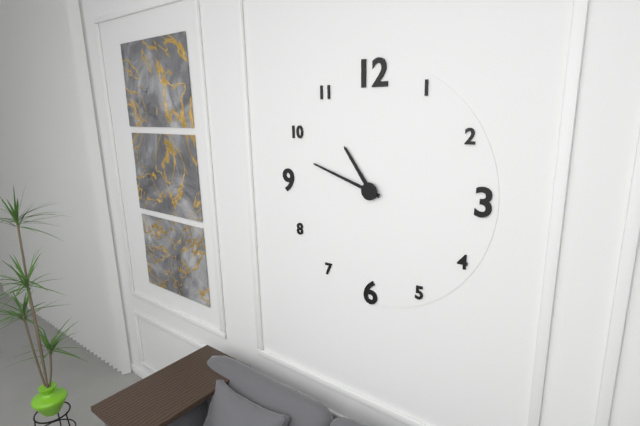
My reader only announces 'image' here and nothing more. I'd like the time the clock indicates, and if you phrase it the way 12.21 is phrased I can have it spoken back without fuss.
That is 10.48
